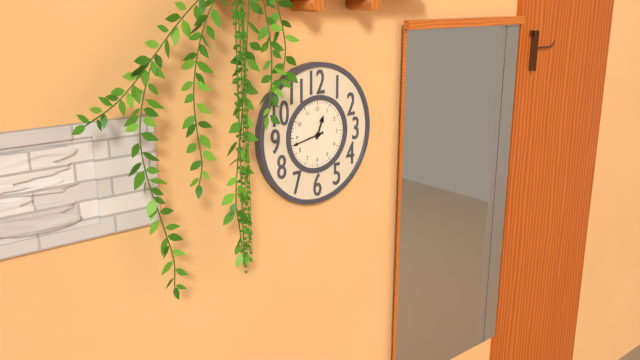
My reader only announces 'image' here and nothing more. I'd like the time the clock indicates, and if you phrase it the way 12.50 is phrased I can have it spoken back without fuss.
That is 12.43
